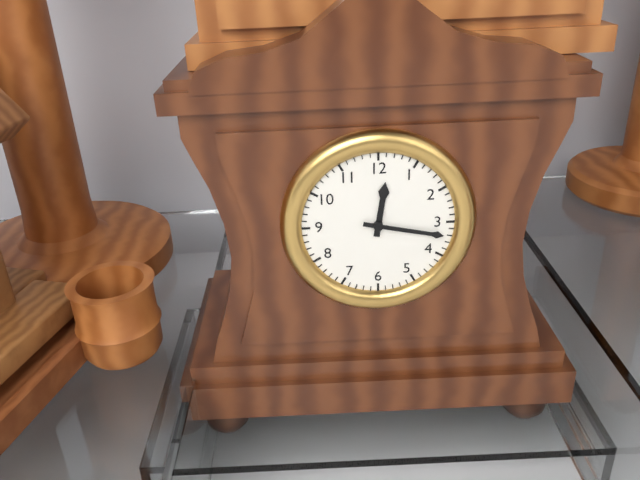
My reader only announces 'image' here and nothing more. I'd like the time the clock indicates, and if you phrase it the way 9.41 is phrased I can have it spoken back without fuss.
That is 12.17
